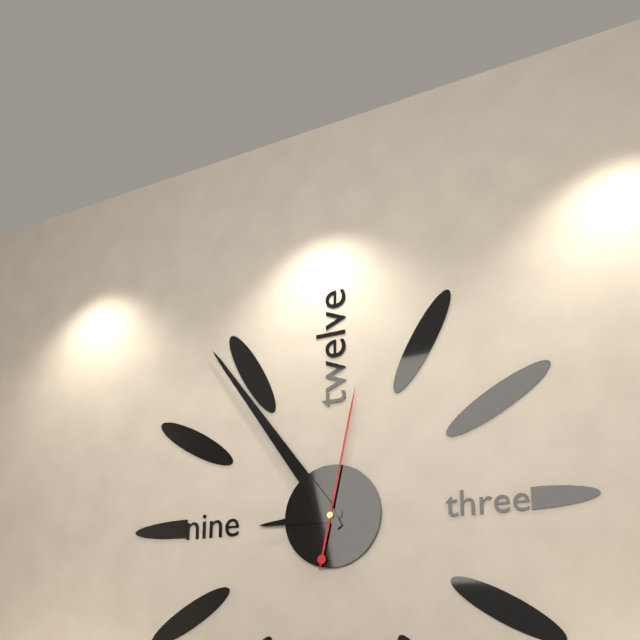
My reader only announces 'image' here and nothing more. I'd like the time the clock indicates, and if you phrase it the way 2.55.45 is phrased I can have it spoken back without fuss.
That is 8.54.02
